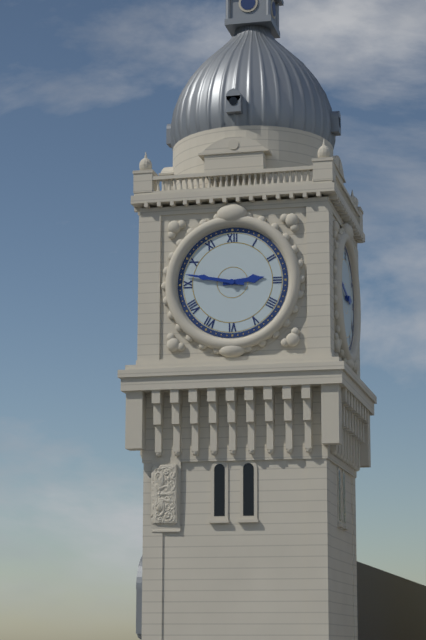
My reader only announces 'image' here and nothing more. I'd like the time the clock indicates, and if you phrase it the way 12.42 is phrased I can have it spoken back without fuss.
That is 2.47
